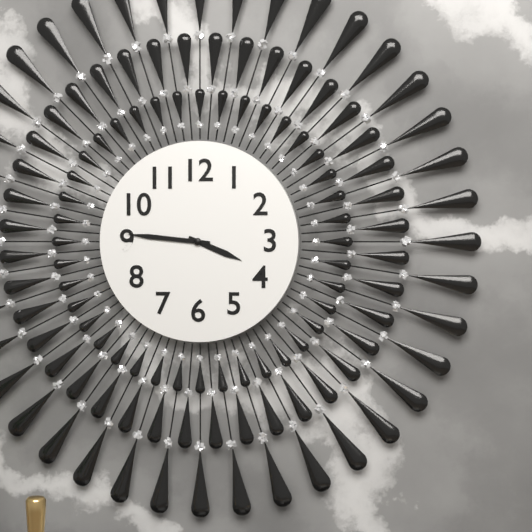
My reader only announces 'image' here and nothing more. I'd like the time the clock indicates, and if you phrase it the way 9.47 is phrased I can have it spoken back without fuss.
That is 3.46
